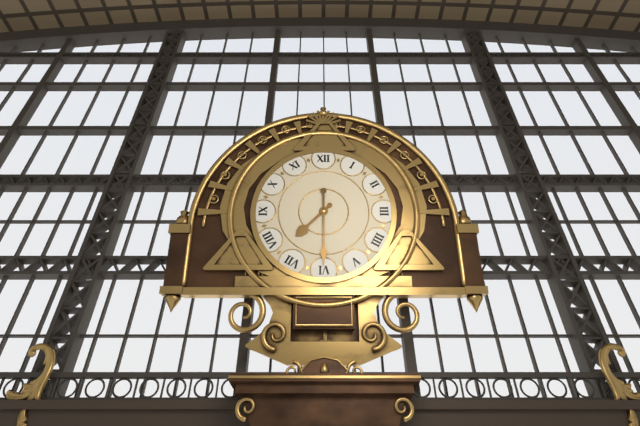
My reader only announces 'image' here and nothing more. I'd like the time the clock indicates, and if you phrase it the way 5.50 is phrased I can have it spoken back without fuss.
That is 7.30
